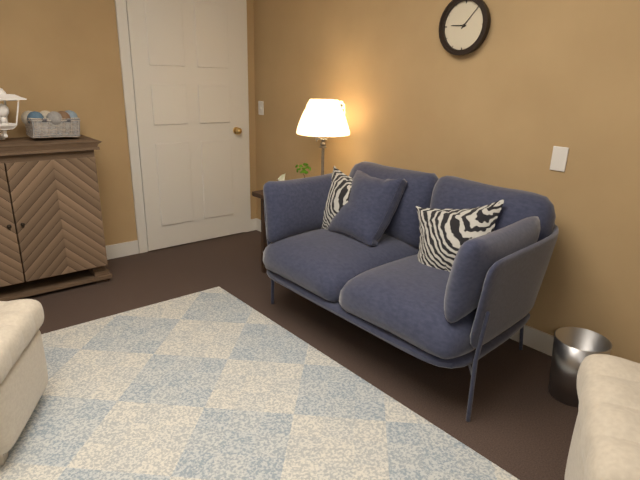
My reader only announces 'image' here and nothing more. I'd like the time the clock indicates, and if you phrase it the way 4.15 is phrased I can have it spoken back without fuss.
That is 9.07
